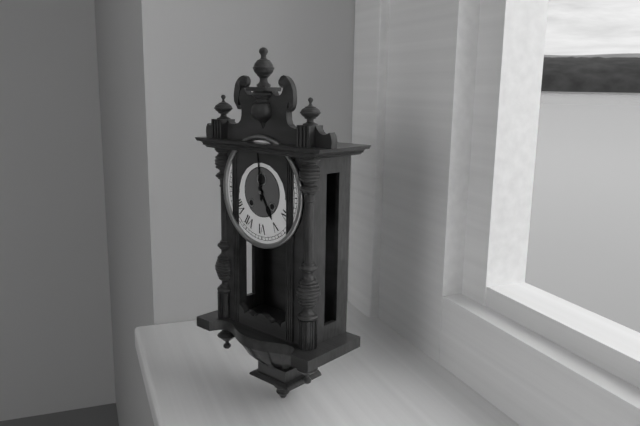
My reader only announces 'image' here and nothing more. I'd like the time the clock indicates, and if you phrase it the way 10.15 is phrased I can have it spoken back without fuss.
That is 4.59
